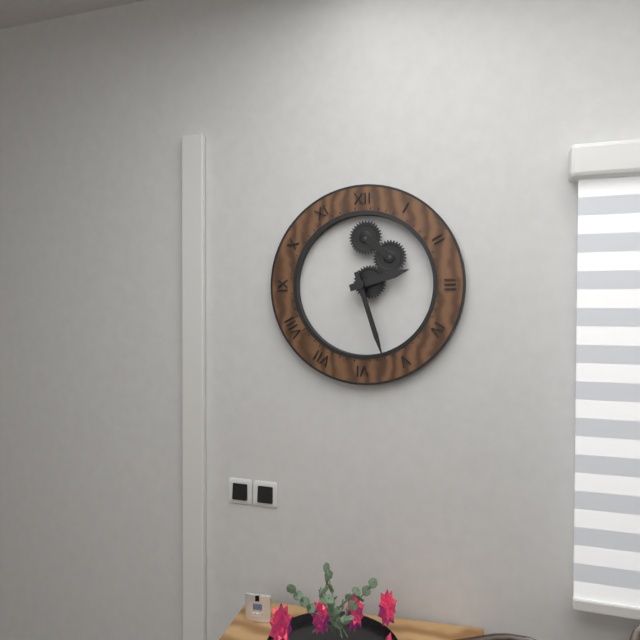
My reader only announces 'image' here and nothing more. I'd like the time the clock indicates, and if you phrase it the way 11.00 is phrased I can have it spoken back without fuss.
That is 2.27
